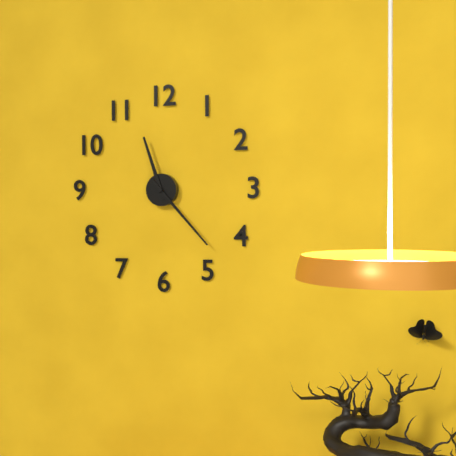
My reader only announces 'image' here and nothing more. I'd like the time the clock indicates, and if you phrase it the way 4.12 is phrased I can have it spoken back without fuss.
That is 11.23
